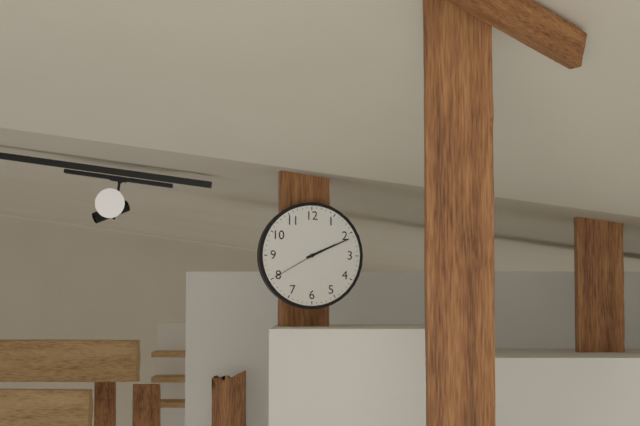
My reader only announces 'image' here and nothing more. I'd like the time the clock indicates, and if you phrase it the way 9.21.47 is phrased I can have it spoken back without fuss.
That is 2.11.40
